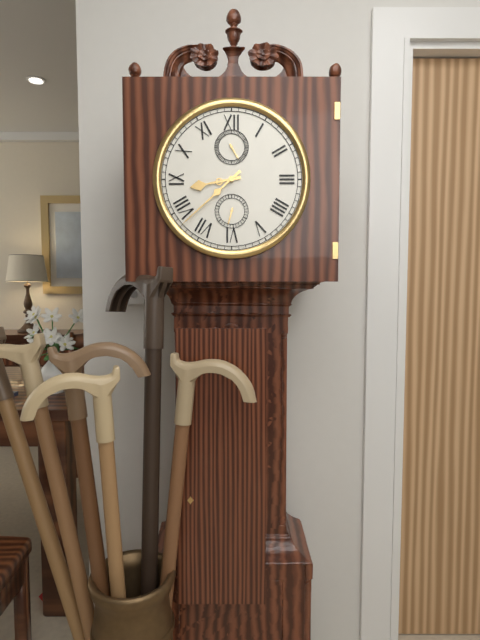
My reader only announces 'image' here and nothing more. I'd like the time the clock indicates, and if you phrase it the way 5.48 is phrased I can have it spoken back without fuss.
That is 8.38
